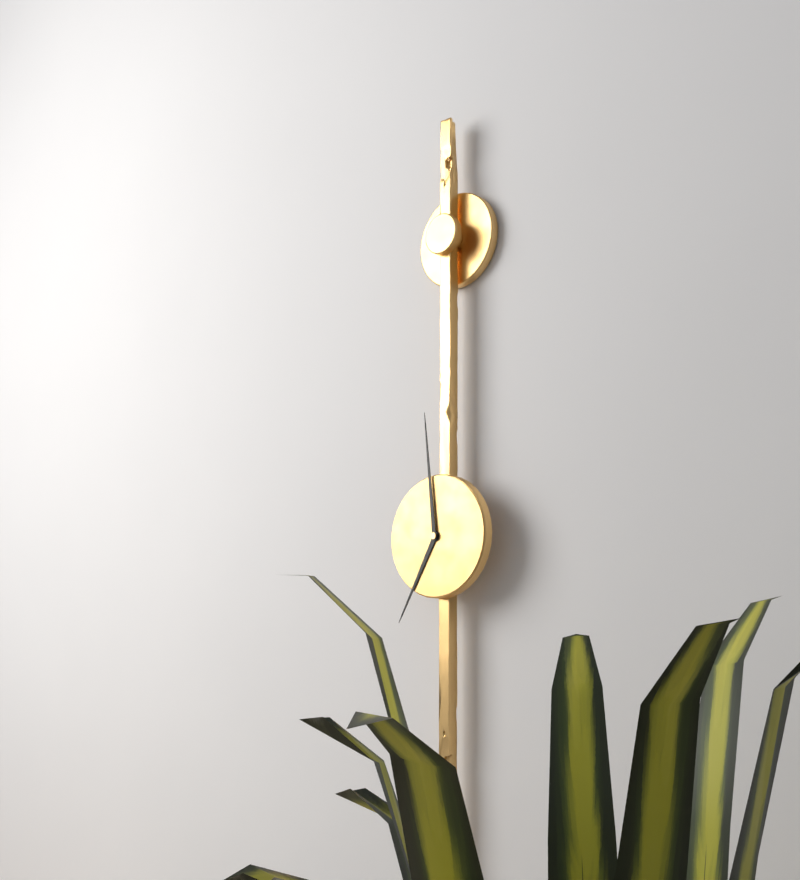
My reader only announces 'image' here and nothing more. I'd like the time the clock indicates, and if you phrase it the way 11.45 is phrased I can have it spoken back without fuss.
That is 6.59
